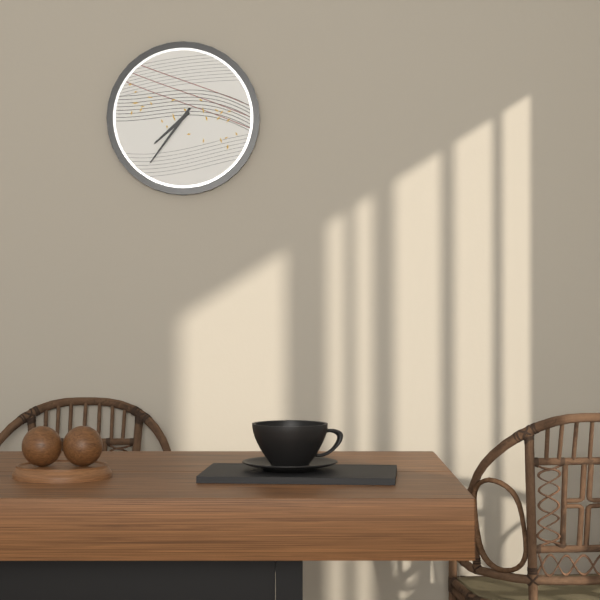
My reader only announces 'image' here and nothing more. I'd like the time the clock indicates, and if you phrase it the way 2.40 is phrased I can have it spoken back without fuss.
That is 7.36
